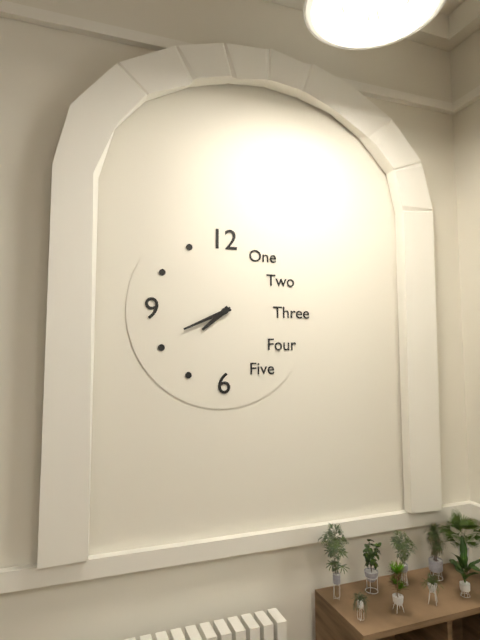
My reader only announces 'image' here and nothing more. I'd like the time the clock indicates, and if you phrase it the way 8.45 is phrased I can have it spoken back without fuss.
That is 7.41
